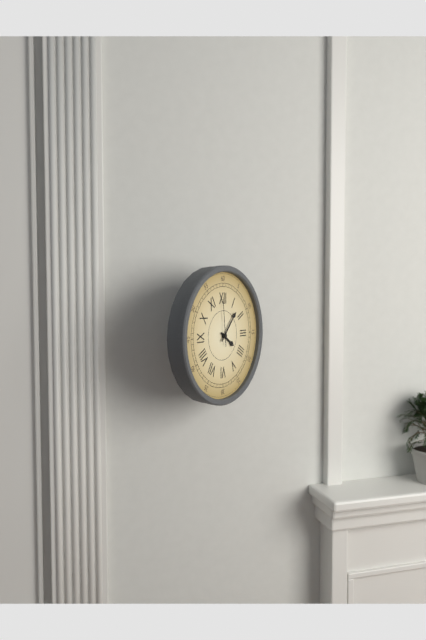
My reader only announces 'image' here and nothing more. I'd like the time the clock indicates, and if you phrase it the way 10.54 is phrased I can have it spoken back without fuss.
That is 4.07
